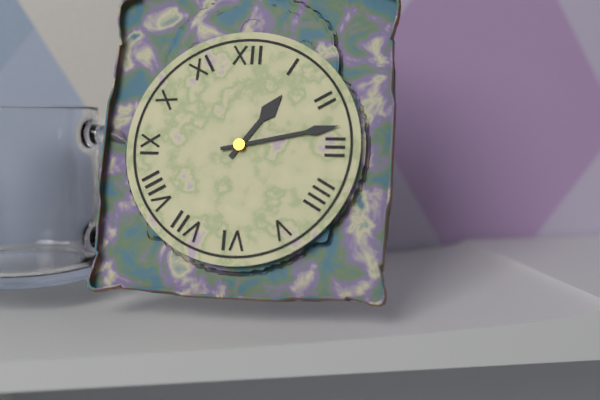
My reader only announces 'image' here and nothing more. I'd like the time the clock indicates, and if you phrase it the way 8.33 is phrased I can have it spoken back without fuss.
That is 1.13
